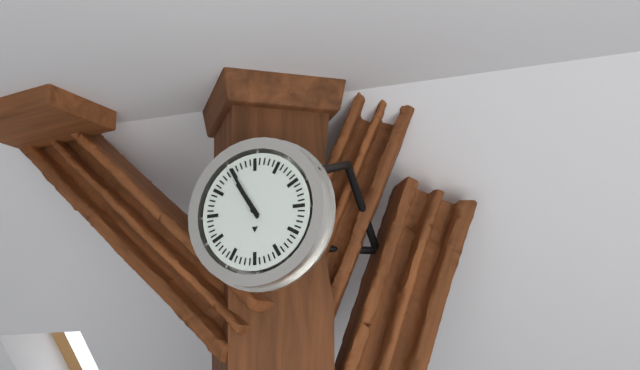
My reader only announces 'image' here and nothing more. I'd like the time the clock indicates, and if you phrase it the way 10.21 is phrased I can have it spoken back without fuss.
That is 10.55
